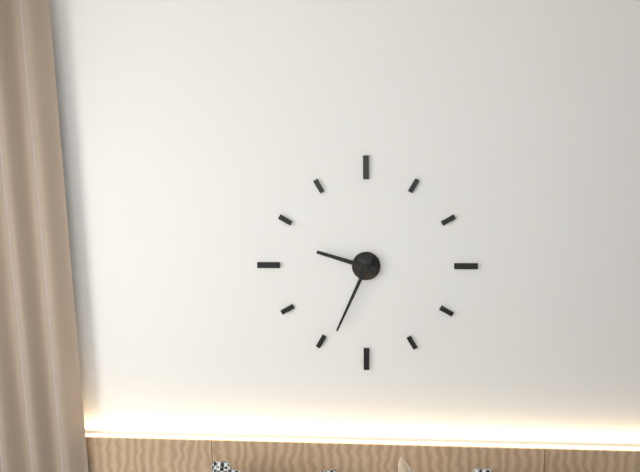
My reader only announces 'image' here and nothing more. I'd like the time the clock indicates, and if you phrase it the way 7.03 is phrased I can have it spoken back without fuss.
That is 9.34
